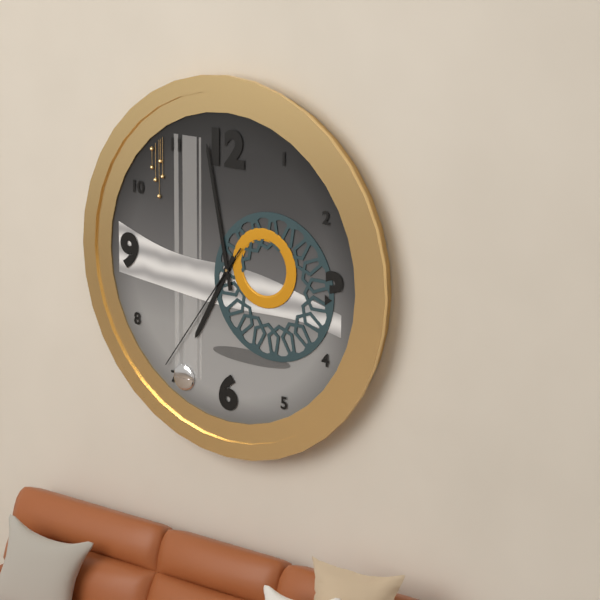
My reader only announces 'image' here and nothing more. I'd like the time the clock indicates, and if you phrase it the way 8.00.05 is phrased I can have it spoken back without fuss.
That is 6.58.36
